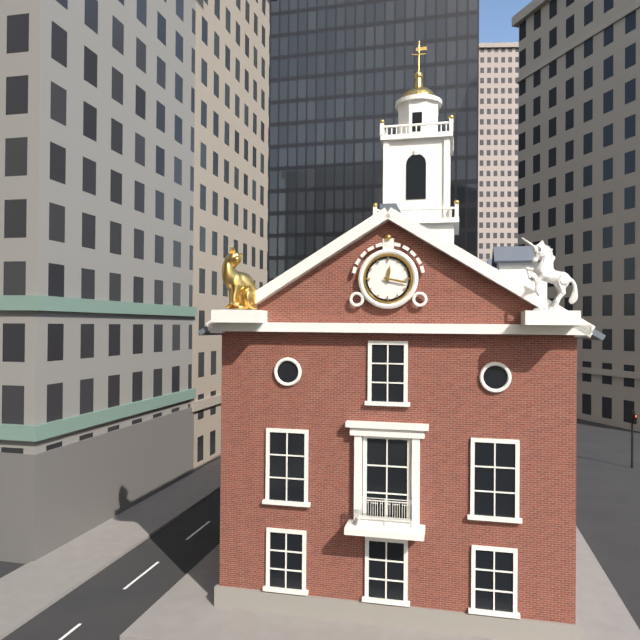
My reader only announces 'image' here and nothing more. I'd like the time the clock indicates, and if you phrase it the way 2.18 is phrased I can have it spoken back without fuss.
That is 12.17
